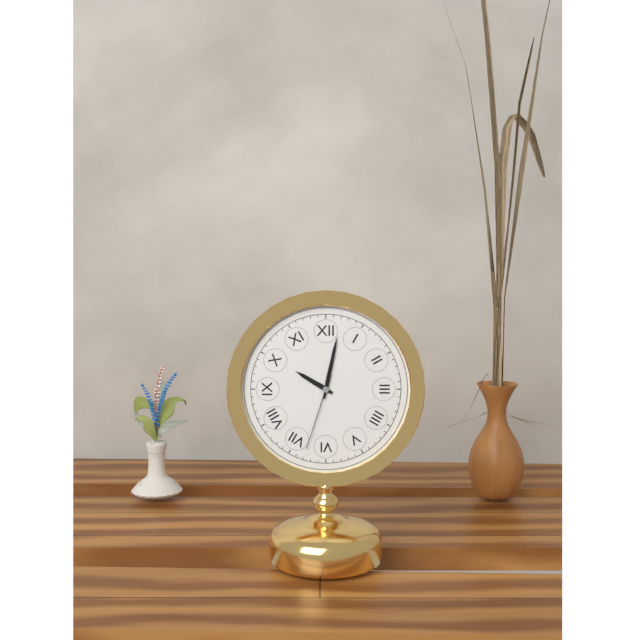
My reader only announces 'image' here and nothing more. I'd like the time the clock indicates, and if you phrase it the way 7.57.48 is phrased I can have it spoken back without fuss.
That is 10.02.33
